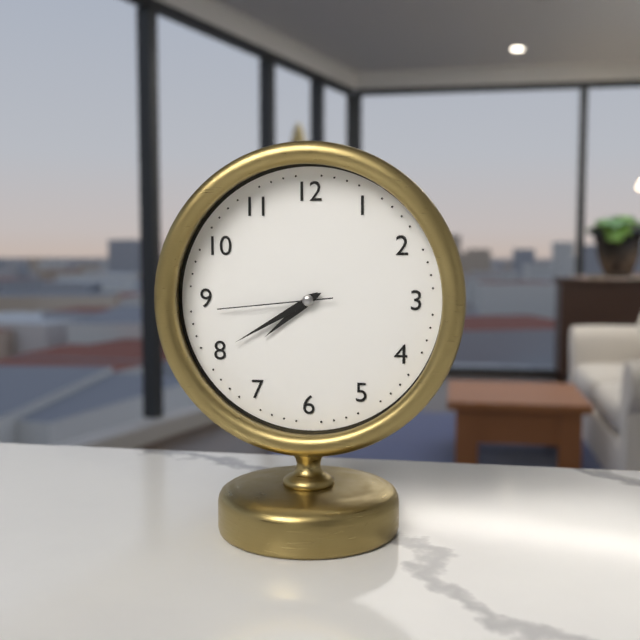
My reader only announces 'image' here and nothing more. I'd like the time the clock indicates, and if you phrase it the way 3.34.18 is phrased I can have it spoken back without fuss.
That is 7.40.44
